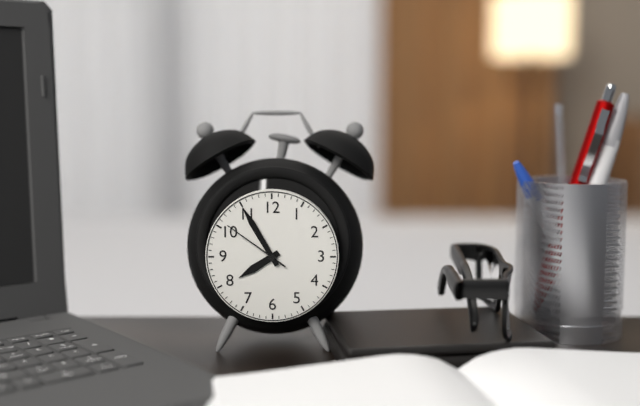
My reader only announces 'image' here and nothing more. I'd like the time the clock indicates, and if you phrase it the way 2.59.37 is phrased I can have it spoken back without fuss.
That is 7.55.51
